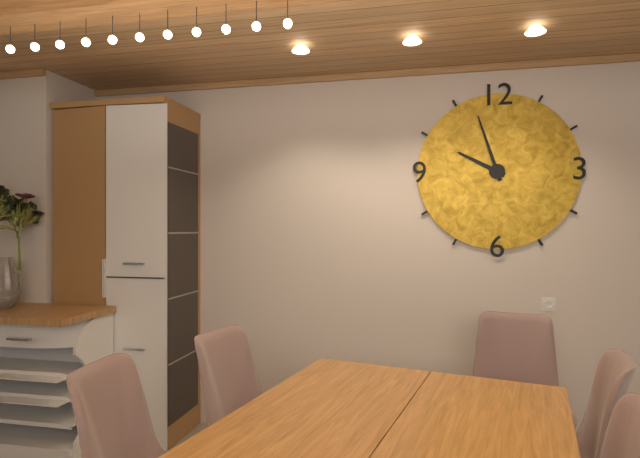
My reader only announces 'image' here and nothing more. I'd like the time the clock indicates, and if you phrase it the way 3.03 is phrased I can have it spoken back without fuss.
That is 9.57
